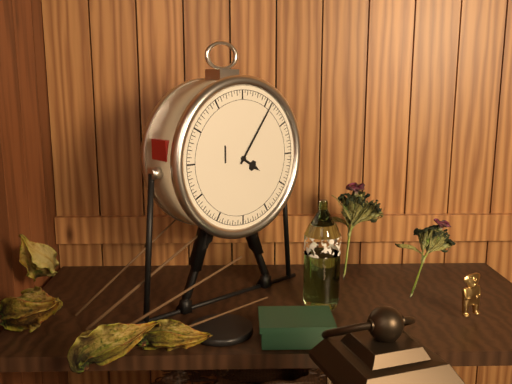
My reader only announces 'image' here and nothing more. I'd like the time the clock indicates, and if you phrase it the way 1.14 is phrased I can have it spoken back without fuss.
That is 4.06
